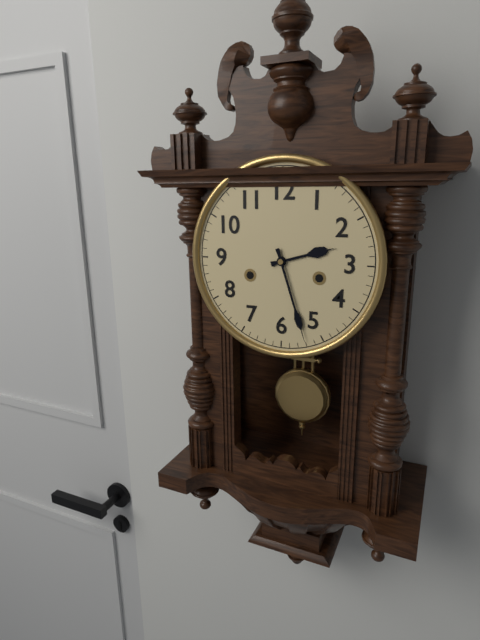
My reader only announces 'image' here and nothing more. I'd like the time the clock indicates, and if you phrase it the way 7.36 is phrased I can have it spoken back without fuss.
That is 2.27
